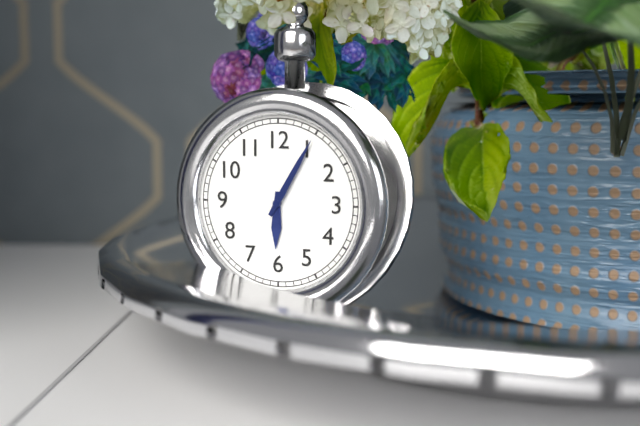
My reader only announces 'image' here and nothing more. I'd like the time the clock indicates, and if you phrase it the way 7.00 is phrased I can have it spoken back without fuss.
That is 6.05
